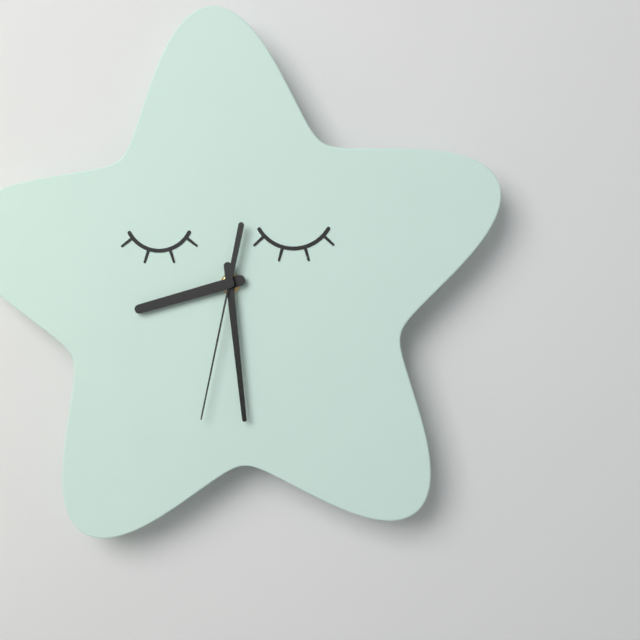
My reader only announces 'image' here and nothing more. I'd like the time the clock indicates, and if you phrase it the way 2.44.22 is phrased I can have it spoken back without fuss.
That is 8.29.32
